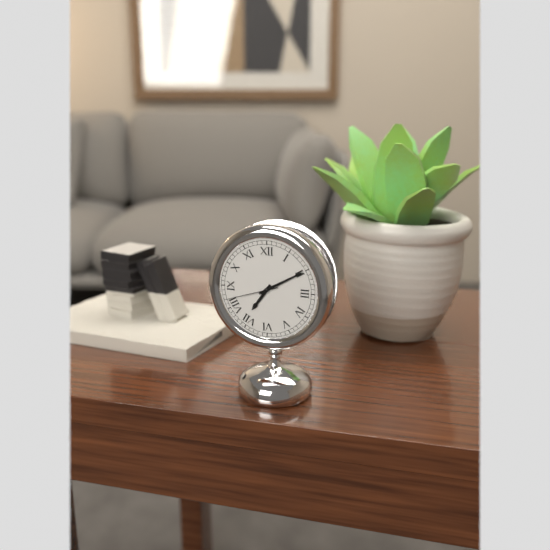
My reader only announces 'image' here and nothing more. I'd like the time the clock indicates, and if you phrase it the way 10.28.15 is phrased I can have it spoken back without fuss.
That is 7.10.42
